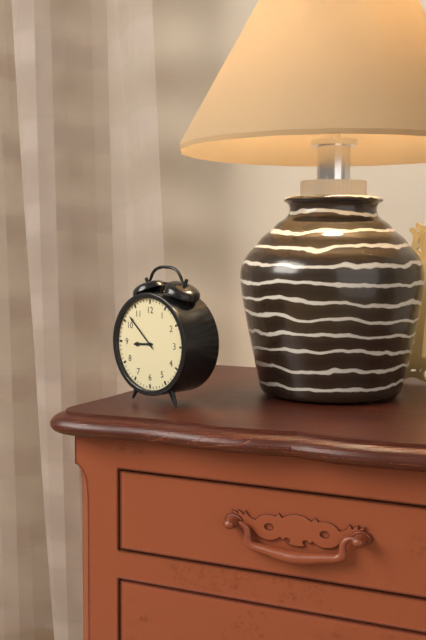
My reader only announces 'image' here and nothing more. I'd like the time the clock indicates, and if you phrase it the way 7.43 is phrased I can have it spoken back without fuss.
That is 8.52
